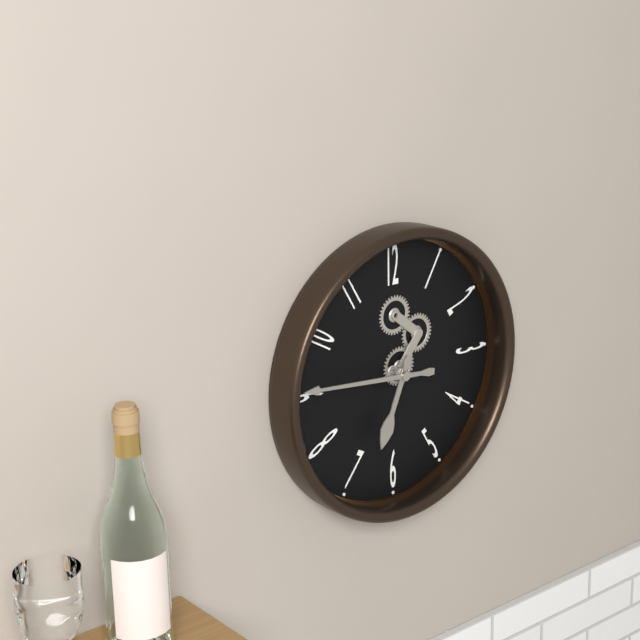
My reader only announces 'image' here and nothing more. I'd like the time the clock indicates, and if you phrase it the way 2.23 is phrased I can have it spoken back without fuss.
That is 6.46
